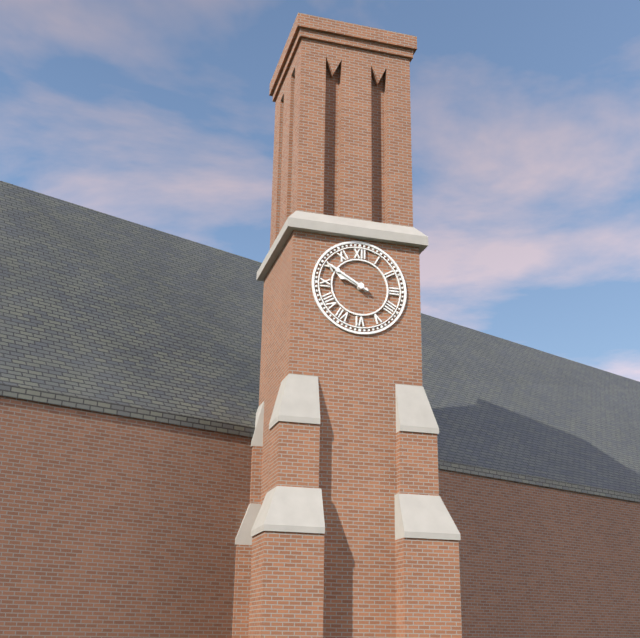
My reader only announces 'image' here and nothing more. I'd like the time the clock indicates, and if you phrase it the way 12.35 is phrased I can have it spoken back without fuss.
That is 9.50
